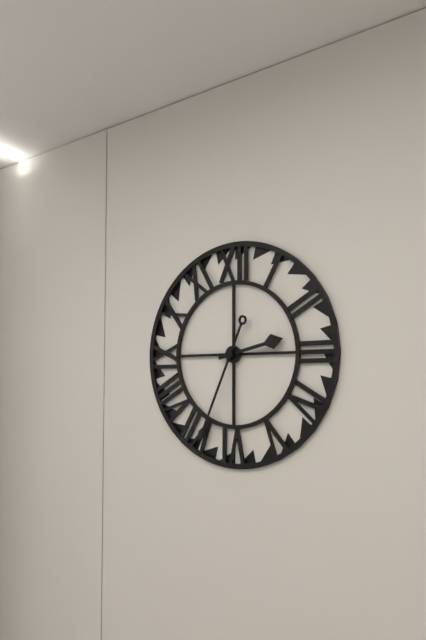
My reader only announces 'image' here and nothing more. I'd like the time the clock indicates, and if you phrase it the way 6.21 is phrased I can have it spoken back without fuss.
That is 2.34
